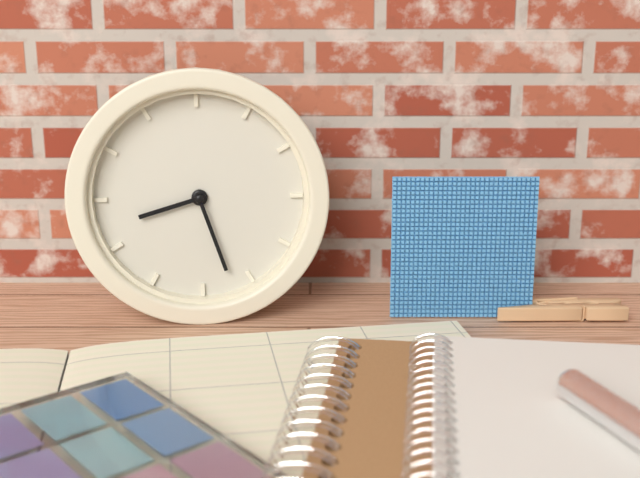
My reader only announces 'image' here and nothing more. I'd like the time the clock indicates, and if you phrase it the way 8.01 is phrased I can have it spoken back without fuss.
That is 8.27
